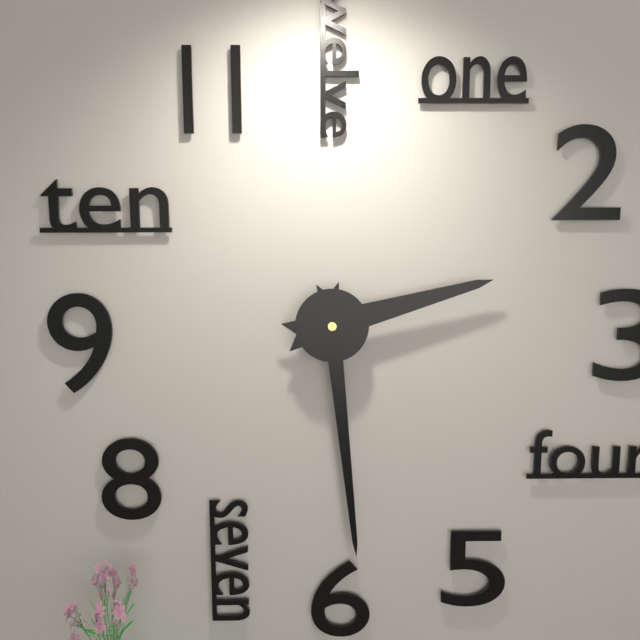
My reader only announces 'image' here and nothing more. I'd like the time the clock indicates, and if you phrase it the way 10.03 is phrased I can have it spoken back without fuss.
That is 2.29
